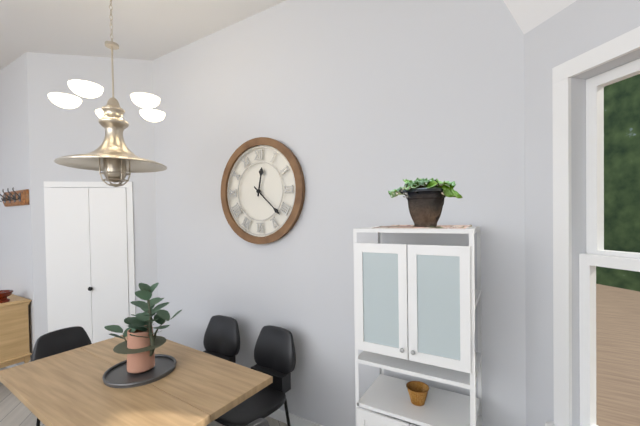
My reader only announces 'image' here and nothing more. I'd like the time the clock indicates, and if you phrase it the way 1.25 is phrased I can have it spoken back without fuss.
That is 12.22
